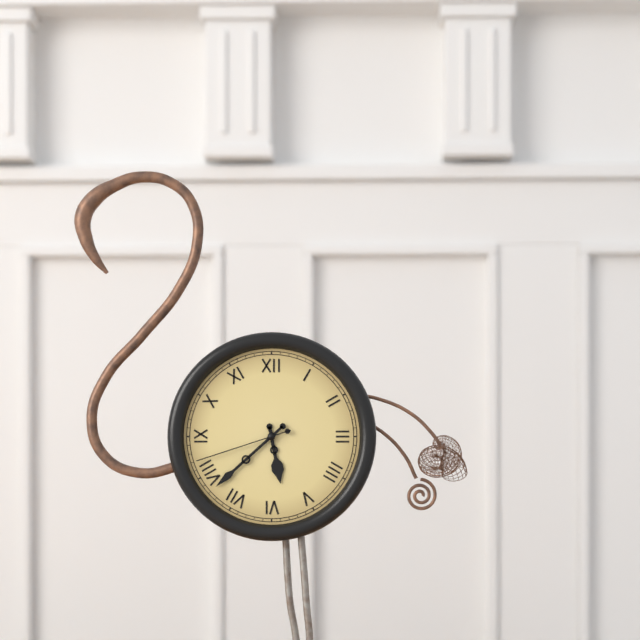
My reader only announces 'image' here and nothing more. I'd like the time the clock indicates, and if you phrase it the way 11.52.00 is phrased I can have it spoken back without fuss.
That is 5.38.42
